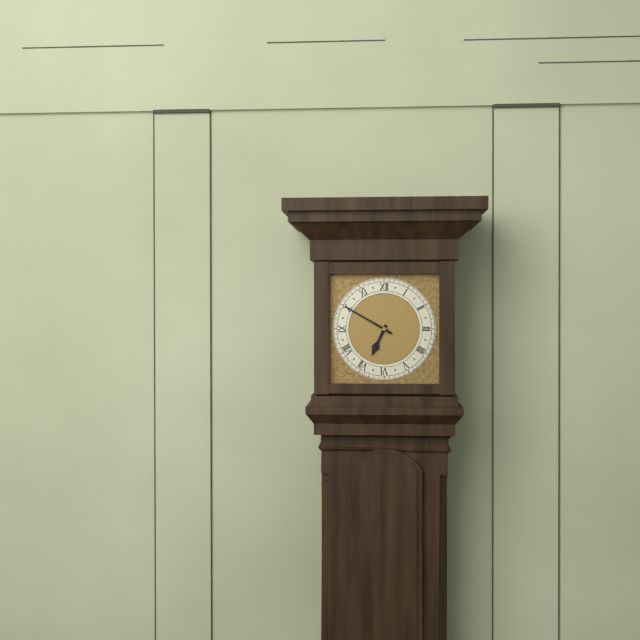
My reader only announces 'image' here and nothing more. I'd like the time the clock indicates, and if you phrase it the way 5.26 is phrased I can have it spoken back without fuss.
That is 6.50
